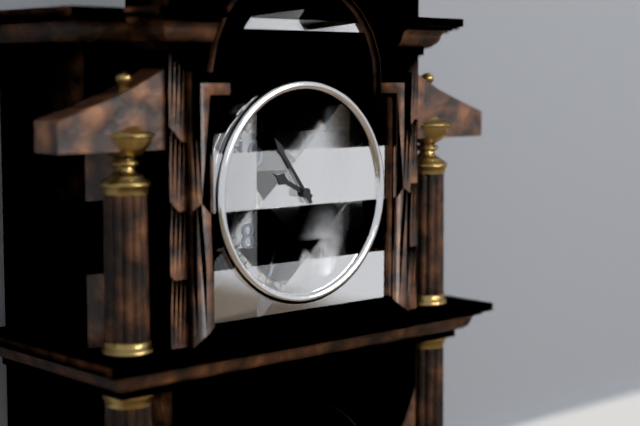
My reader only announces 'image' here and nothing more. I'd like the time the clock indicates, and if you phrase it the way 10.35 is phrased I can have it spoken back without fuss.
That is 9.54
